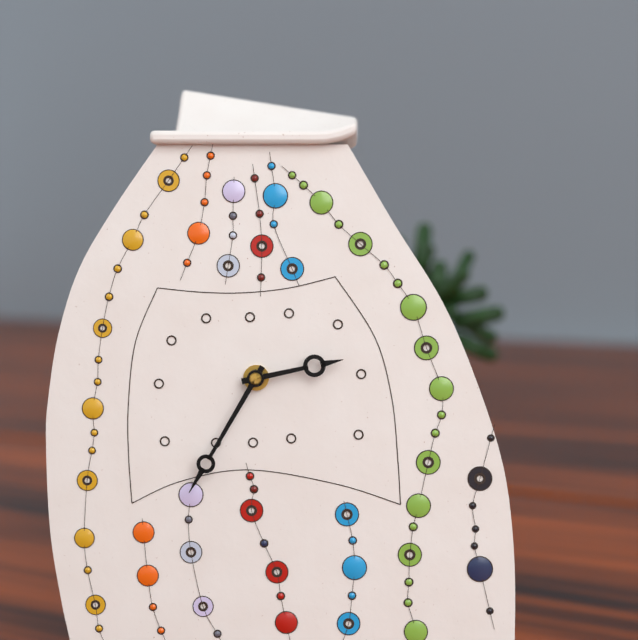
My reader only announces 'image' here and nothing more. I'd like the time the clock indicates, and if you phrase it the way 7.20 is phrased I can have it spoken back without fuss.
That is 2.35
